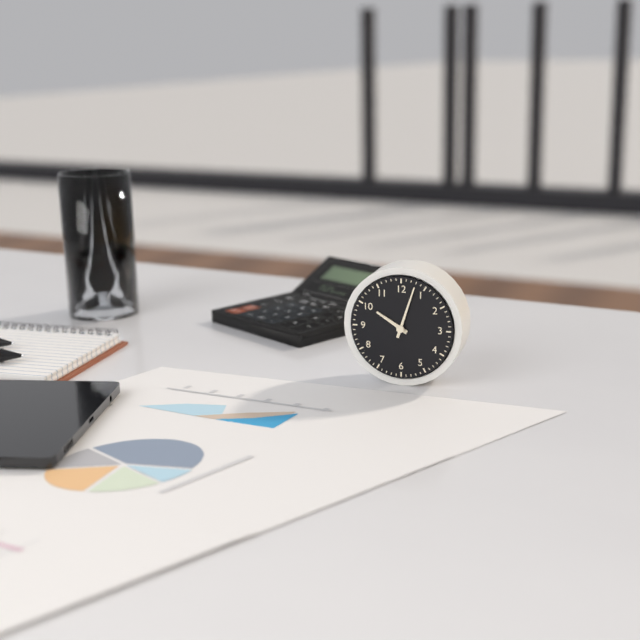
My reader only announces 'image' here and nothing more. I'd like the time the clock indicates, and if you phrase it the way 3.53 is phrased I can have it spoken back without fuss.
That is 10.03
